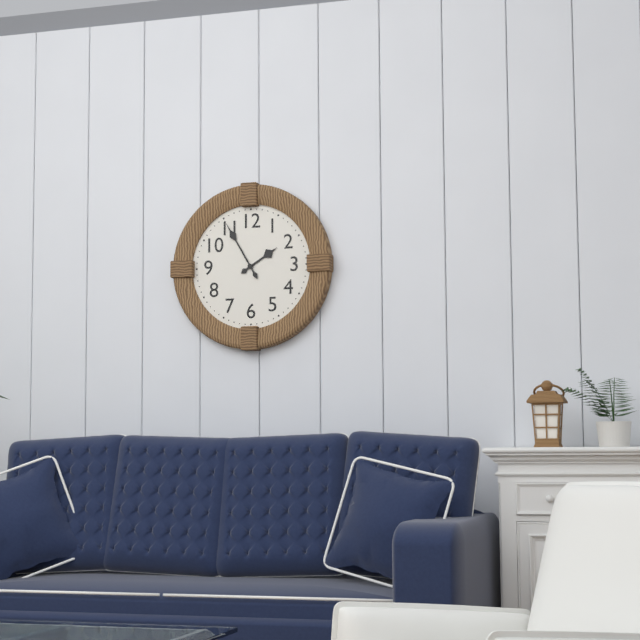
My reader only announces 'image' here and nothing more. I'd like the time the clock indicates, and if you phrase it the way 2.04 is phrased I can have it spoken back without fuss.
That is 1.55
